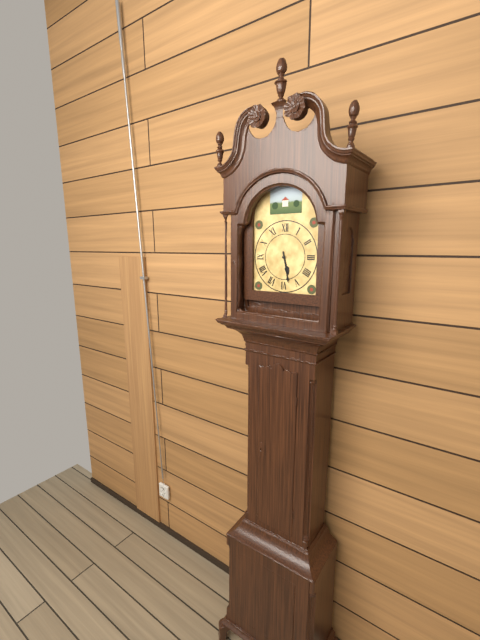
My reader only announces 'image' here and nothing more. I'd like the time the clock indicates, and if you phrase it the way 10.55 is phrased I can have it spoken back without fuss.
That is 5.28
